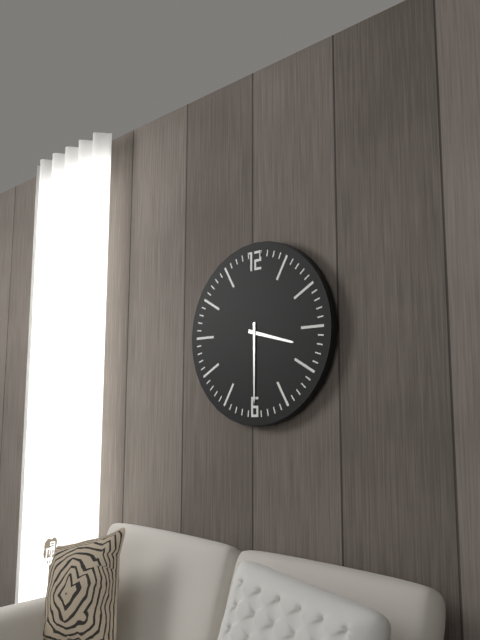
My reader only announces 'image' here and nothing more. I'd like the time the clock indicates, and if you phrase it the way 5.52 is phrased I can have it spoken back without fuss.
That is 3.30
